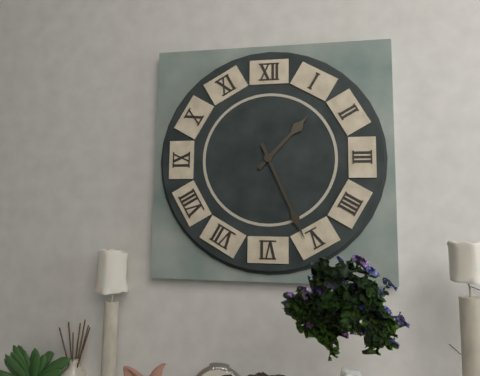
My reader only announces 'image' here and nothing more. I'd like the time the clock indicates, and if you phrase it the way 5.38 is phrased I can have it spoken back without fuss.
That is 1.26
